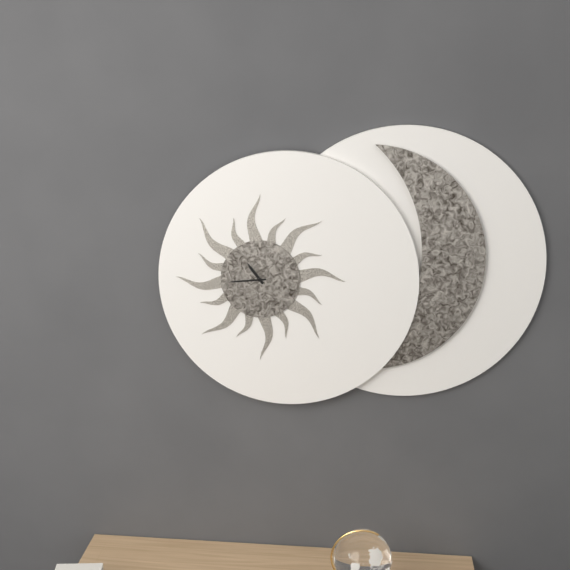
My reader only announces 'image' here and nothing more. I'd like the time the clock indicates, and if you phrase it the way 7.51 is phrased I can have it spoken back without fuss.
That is 10.44
